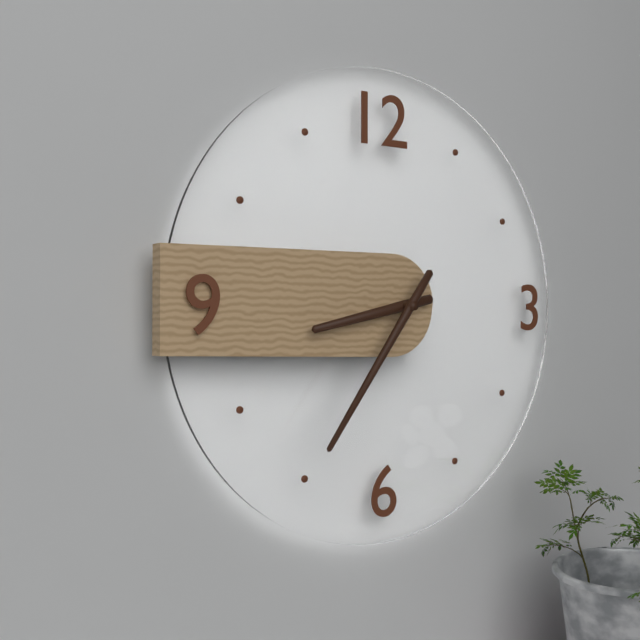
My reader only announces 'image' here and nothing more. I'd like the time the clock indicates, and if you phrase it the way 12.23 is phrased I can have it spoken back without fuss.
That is 8.36
